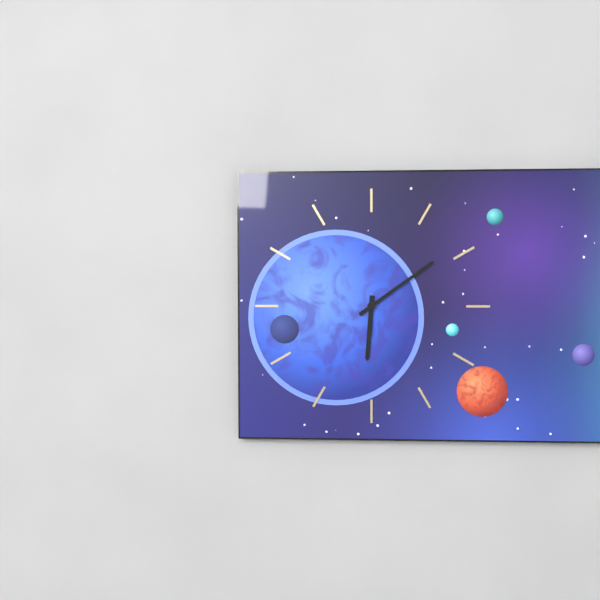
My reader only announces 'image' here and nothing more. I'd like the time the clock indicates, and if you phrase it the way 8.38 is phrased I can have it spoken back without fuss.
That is 6.09
